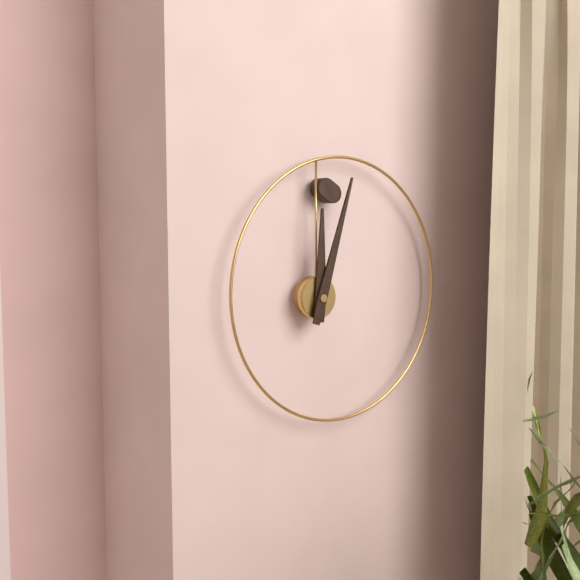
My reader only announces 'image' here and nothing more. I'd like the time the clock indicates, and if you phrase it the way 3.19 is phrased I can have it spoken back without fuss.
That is 12.03
